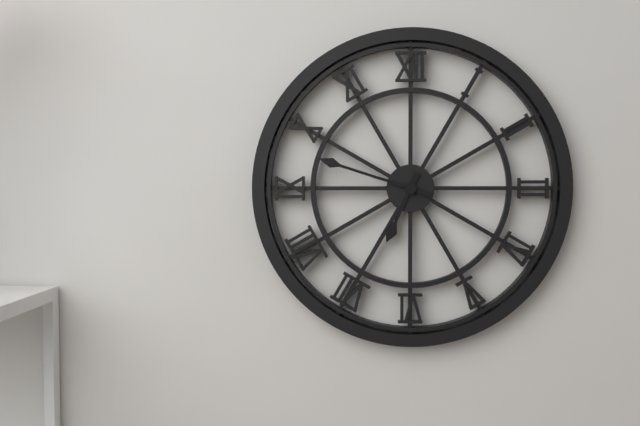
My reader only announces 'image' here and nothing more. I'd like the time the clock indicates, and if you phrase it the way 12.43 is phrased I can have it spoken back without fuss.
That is 6.48
